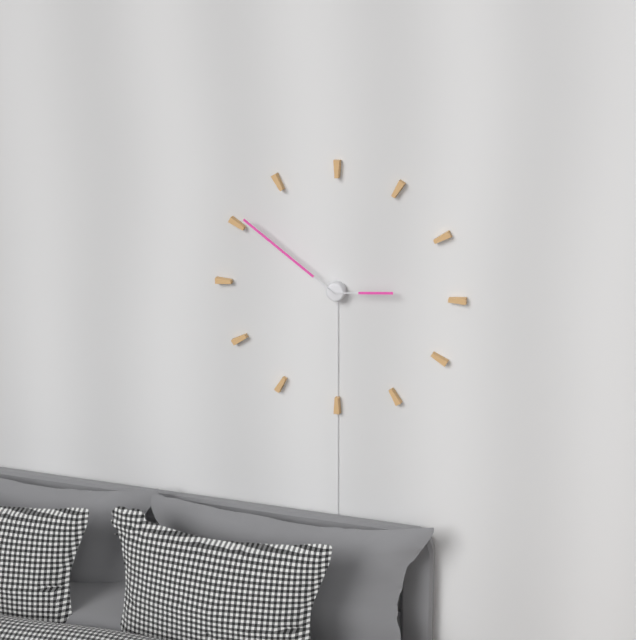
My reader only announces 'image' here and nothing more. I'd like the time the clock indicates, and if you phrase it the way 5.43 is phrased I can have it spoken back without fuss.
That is 2.51
